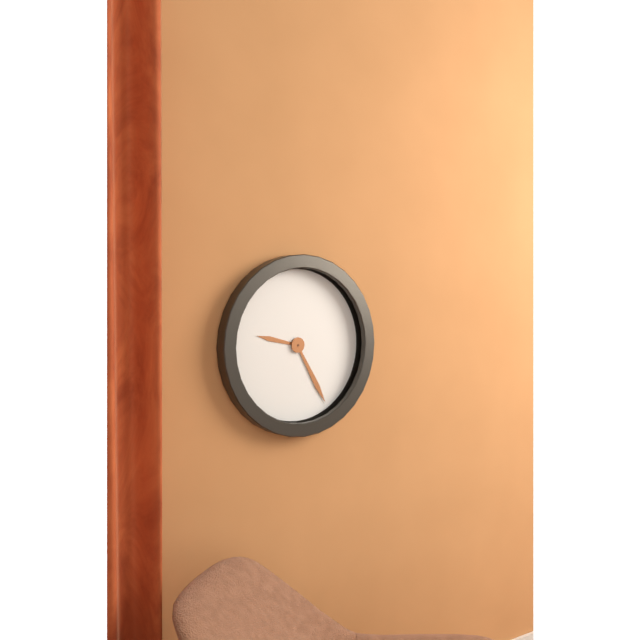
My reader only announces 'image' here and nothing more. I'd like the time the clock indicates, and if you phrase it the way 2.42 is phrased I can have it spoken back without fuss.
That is 9.25
